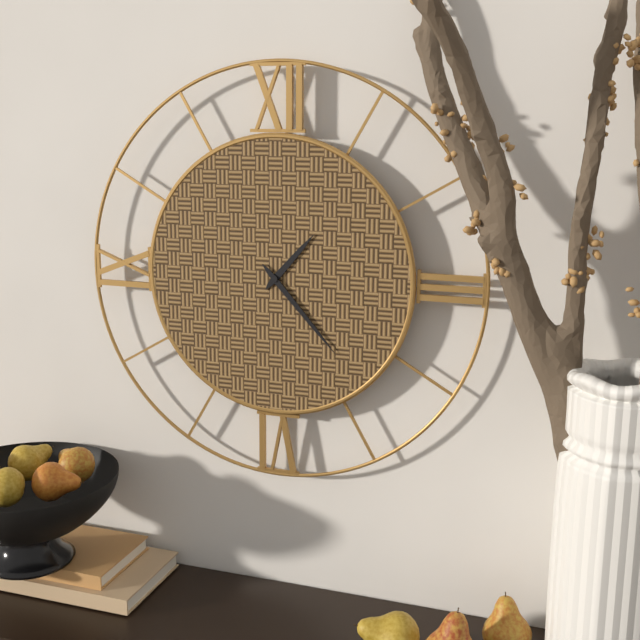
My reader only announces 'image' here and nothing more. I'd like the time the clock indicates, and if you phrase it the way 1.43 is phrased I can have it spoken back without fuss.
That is 1.23
